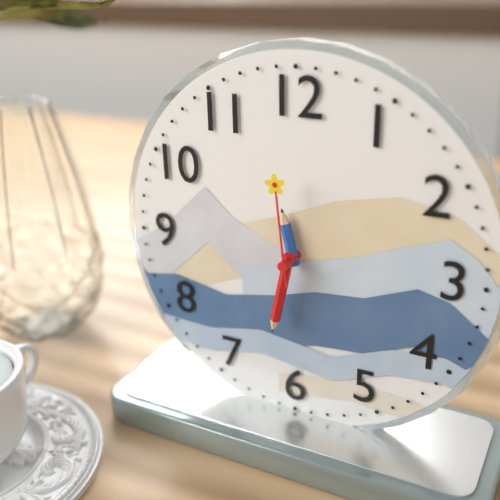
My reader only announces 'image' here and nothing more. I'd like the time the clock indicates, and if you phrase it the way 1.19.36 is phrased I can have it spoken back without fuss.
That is 11.32.59
